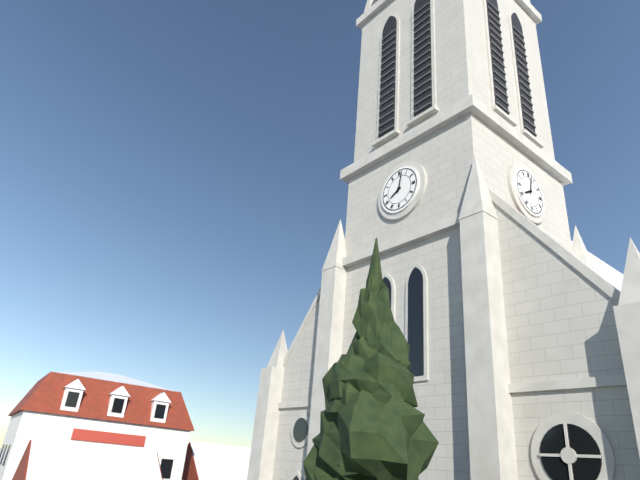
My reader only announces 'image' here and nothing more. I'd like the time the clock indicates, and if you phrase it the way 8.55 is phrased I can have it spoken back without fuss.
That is 8.02
